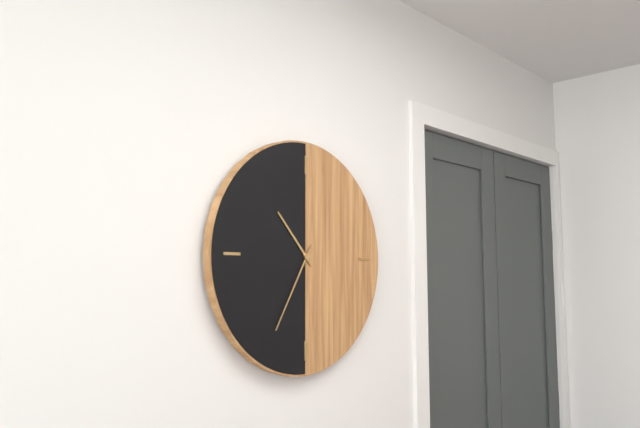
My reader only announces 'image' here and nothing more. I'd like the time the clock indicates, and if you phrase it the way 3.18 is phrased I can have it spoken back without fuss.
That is 10.35
